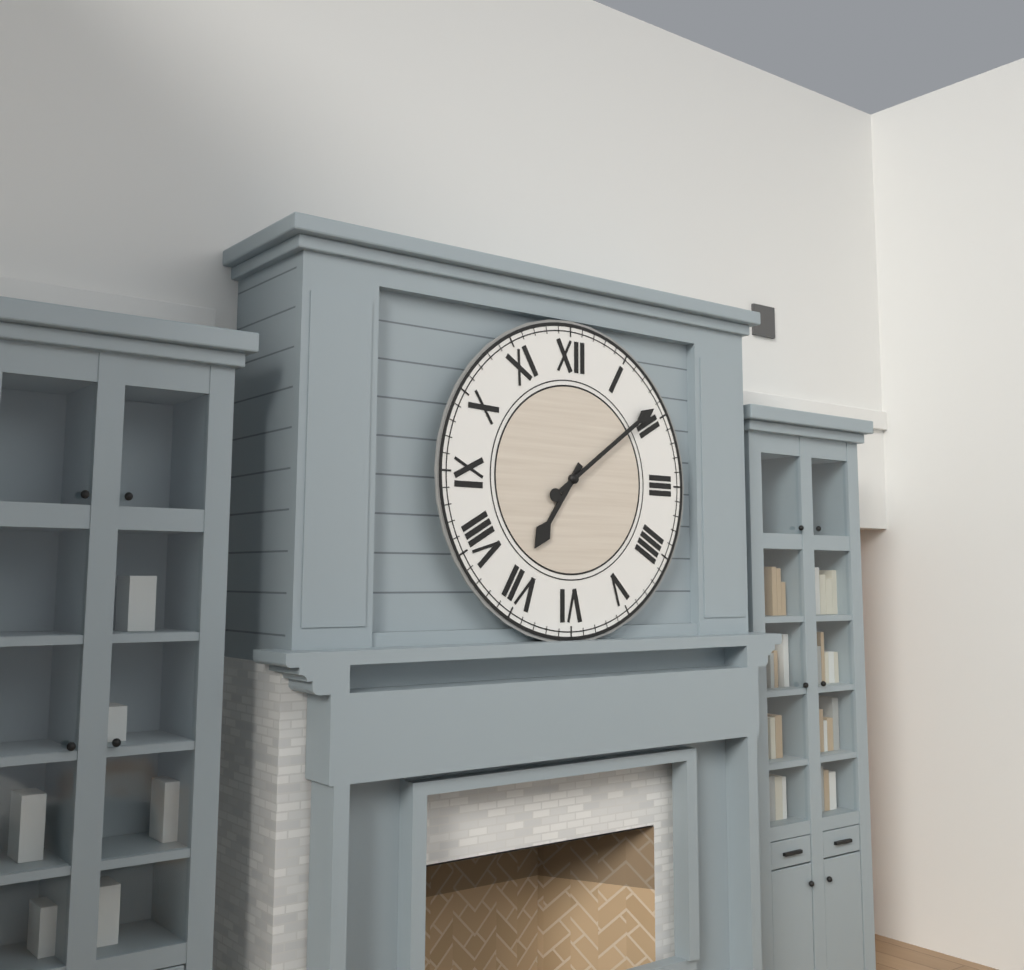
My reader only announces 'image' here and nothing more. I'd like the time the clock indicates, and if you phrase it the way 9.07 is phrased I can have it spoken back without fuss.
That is 7.09
